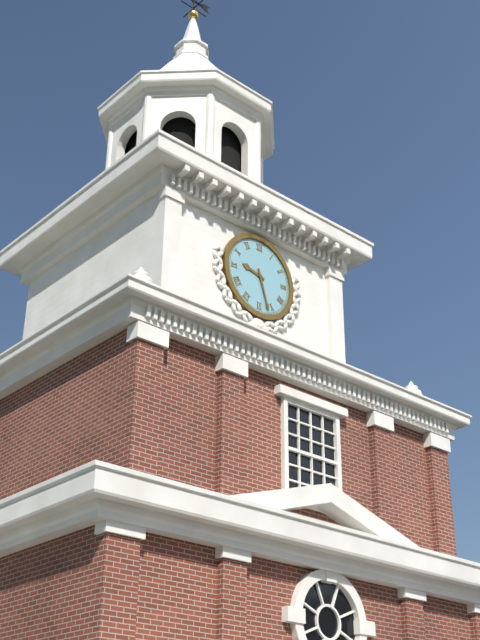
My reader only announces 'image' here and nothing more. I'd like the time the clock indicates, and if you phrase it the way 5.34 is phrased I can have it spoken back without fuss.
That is 9.27
